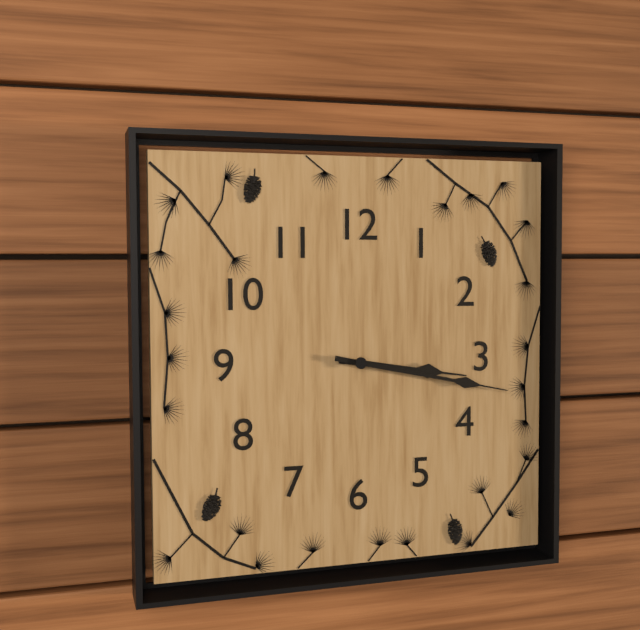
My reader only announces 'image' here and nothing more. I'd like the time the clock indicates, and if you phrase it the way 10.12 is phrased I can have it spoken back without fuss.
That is 3.17
